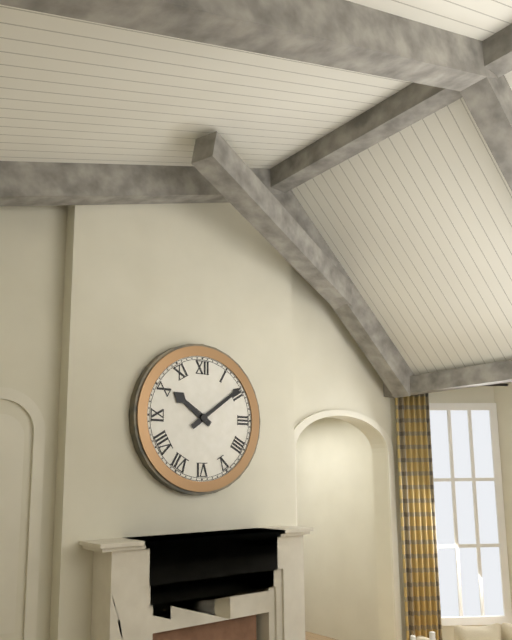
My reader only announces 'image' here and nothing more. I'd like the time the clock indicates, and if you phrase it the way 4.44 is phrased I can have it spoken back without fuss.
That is 10.09
